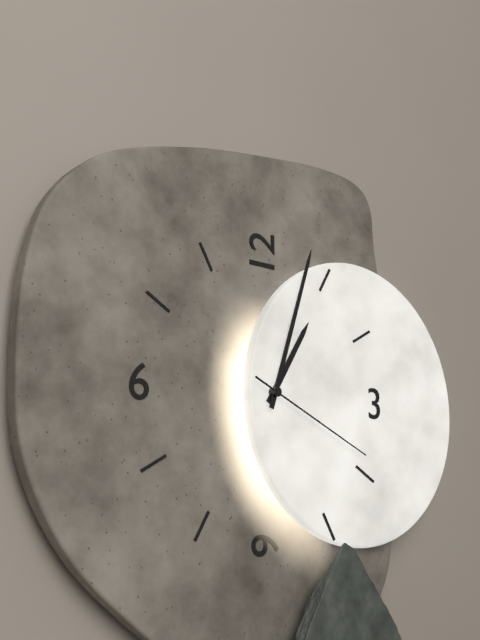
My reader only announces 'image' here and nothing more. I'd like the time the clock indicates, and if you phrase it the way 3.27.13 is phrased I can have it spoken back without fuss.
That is 1.03.19
